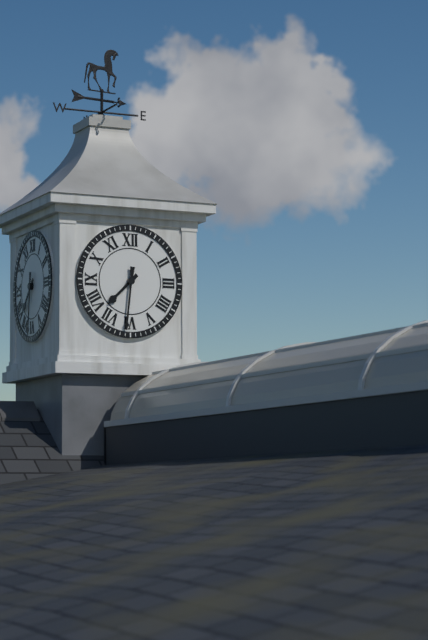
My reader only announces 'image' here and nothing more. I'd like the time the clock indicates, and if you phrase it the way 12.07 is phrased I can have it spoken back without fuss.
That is 7.31
